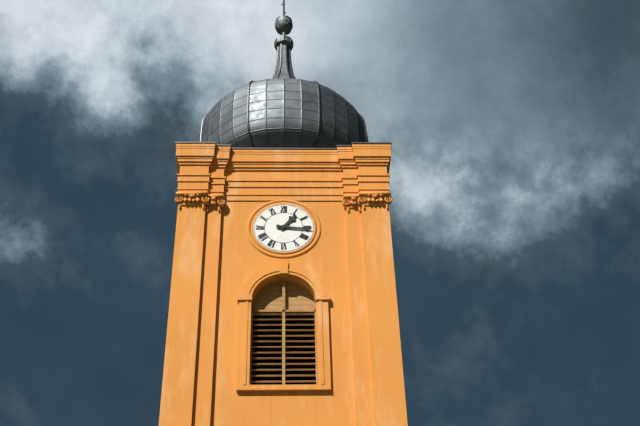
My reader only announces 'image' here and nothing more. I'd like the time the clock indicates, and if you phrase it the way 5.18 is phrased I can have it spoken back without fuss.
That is 1.16
